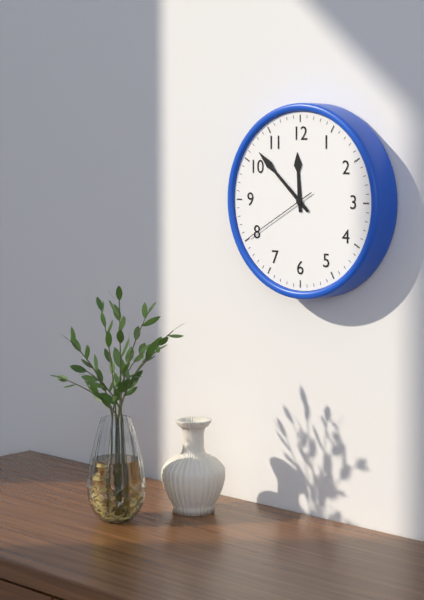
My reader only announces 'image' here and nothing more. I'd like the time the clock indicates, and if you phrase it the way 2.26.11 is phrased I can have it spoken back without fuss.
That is 11.52.40
